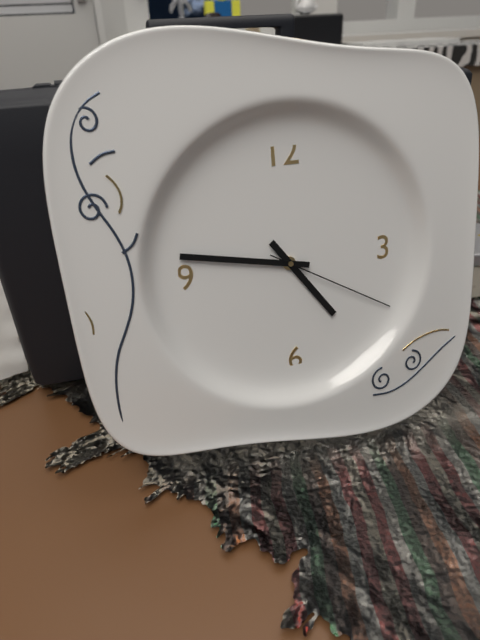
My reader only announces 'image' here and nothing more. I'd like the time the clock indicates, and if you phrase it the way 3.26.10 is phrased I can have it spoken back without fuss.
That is 4.47.20
